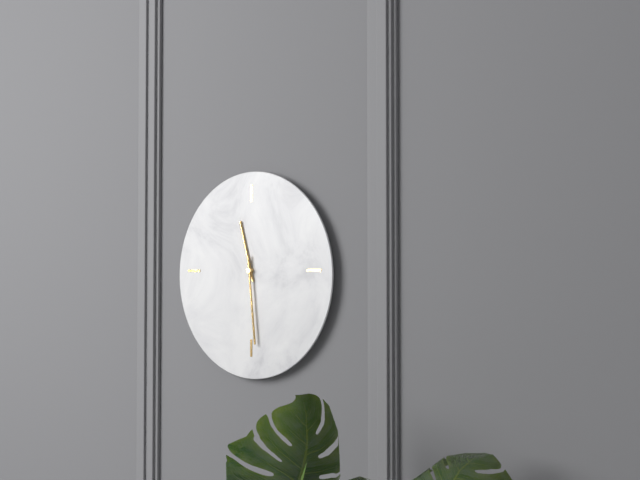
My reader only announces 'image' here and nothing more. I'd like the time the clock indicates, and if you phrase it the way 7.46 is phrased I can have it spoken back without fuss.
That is 11.29
